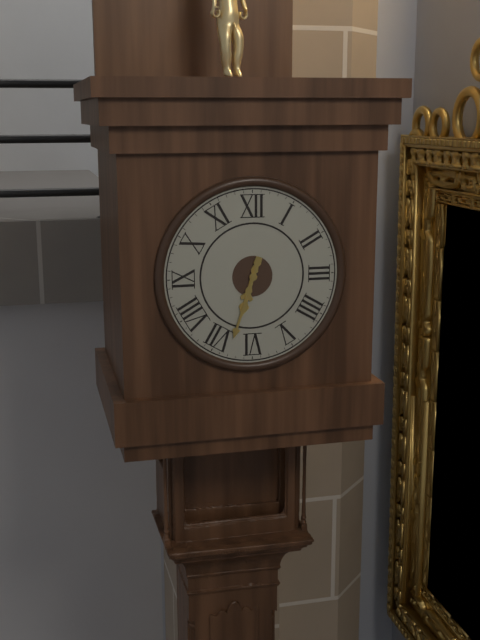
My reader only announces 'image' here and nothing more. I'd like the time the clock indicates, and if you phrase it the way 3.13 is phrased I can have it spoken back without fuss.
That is 6.33
